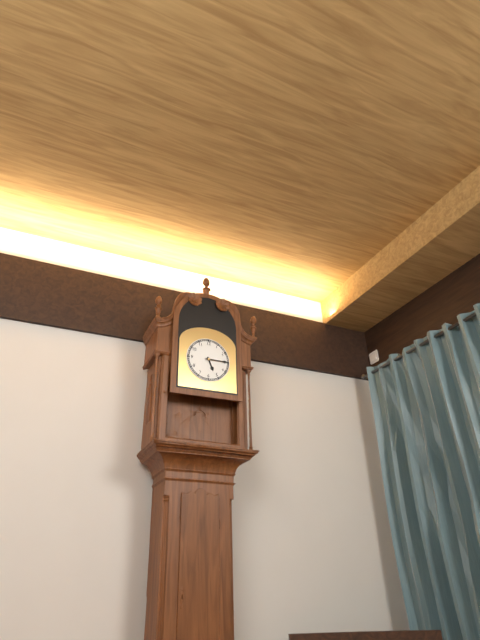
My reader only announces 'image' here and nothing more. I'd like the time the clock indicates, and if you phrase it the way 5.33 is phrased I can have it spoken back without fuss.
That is 5.15
